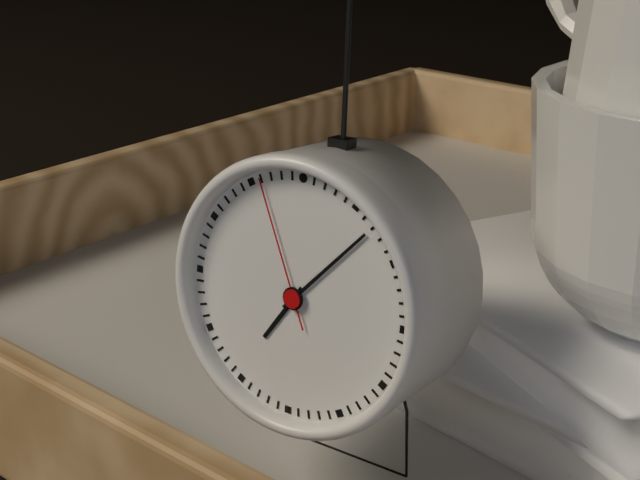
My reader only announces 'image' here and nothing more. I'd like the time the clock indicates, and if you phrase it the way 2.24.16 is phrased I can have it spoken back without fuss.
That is 7.07.56
